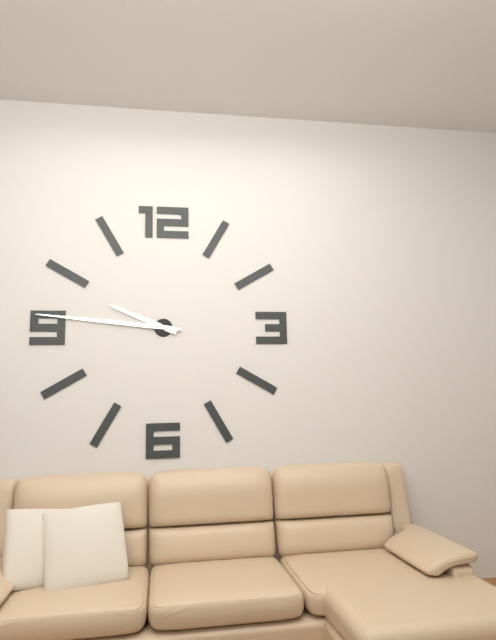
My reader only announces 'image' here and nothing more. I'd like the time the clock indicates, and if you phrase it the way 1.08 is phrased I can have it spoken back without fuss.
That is 9.46
